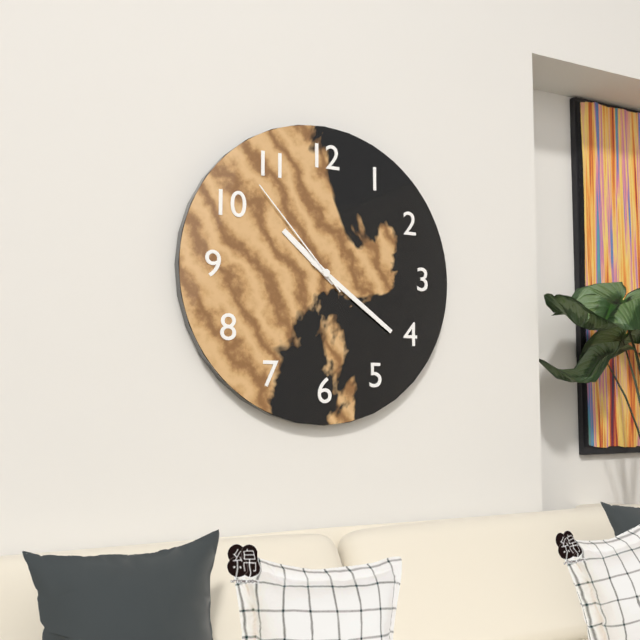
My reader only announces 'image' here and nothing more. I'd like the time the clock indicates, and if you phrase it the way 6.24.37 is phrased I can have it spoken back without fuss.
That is 10.21.53
